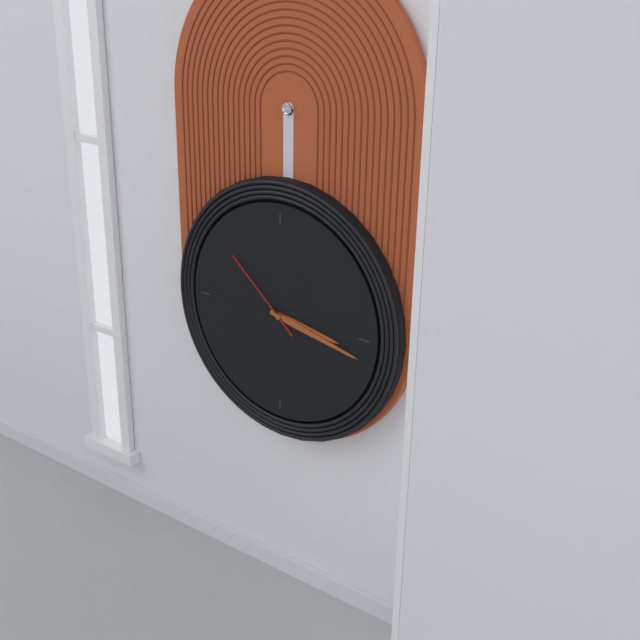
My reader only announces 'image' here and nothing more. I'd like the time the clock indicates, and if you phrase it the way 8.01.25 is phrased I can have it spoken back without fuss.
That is 3.17.52
